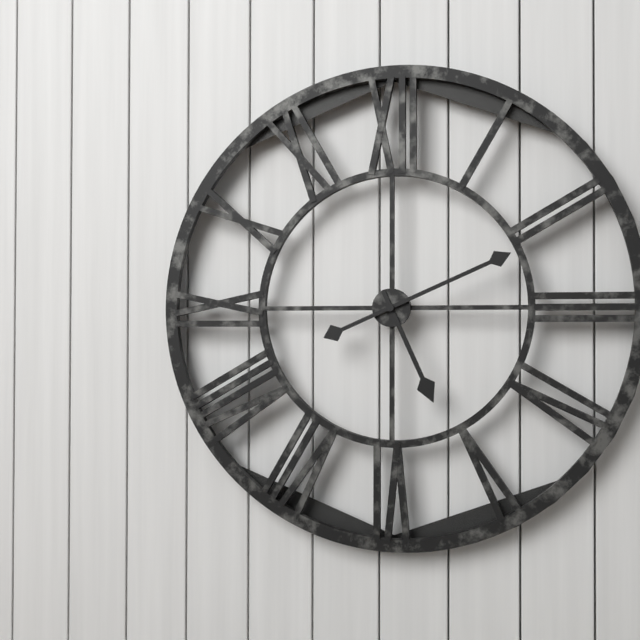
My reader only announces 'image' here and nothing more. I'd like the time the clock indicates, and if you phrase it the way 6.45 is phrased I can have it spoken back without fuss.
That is 5.11
